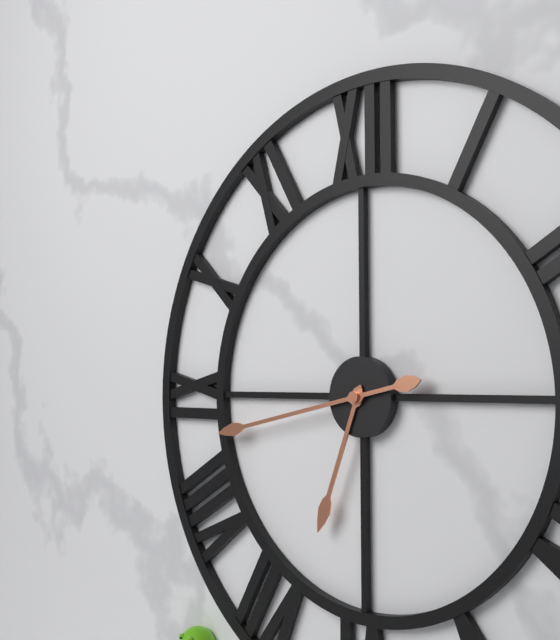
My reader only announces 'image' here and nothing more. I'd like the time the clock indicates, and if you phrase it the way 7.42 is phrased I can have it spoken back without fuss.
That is 6.43
